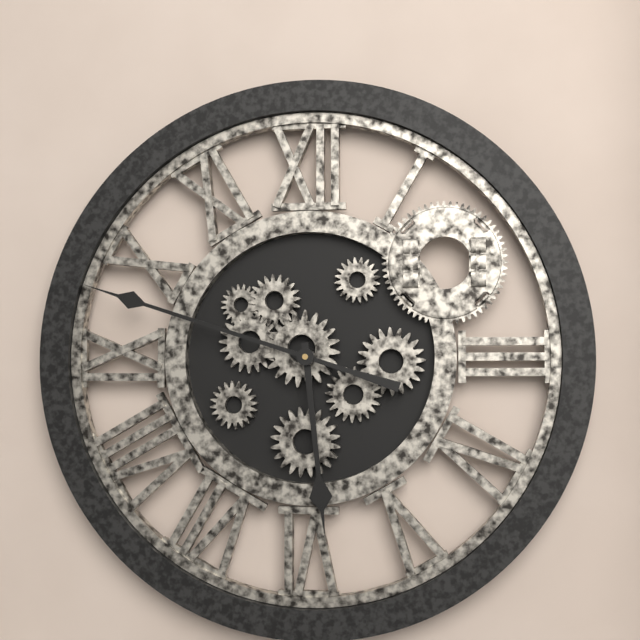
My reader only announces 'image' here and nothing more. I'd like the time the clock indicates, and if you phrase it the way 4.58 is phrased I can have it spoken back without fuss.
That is 5.48
